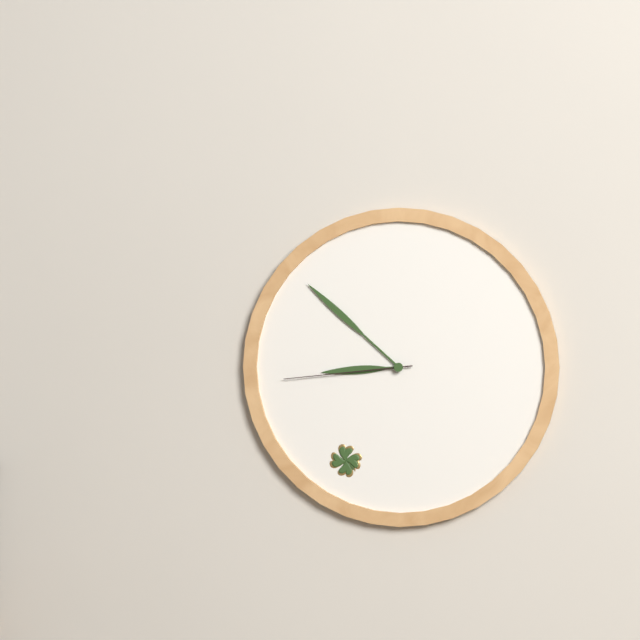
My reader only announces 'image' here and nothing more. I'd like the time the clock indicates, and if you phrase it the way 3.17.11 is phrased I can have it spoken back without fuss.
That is 8.52.44
